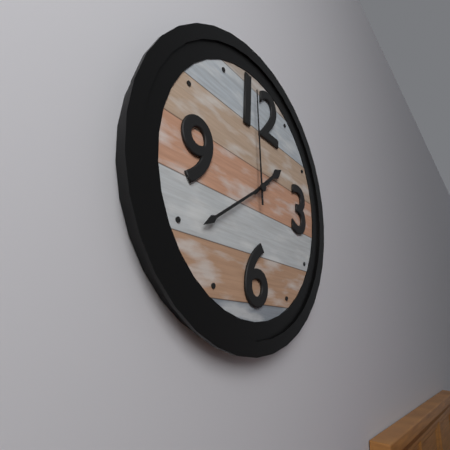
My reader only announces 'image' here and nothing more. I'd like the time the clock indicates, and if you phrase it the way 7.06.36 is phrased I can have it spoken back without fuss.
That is 1.39.59
